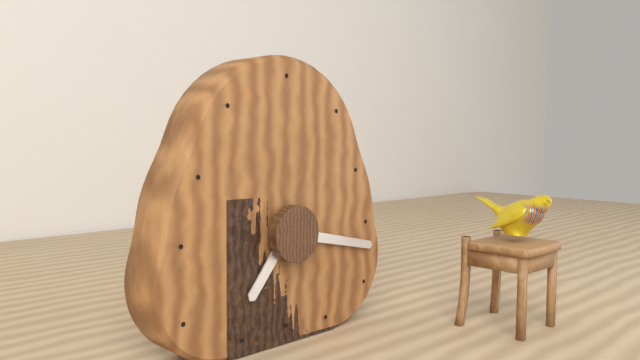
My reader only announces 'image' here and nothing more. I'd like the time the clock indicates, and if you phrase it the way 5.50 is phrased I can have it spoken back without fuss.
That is 7.17
